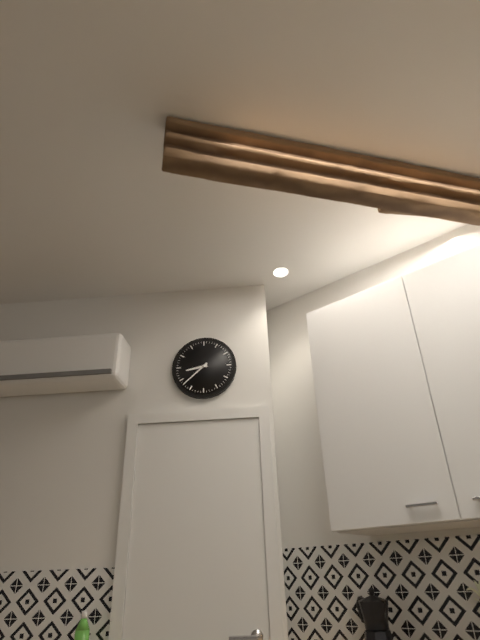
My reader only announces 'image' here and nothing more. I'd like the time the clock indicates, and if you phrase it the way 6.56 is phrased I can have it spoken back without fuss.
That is 8.38
